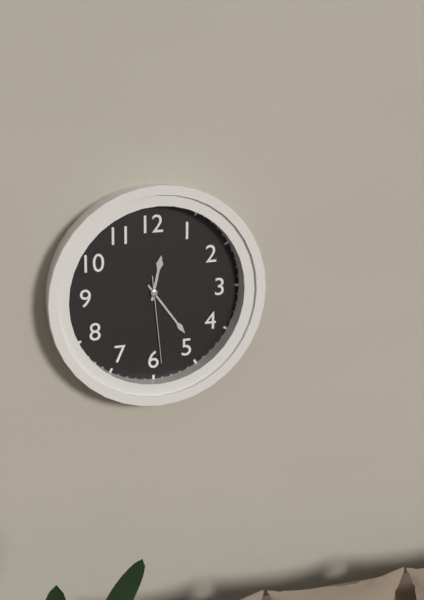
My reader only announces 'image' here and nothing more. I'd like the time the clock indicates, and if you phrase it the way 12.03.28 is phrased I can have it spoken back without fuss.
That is 12.24.29
